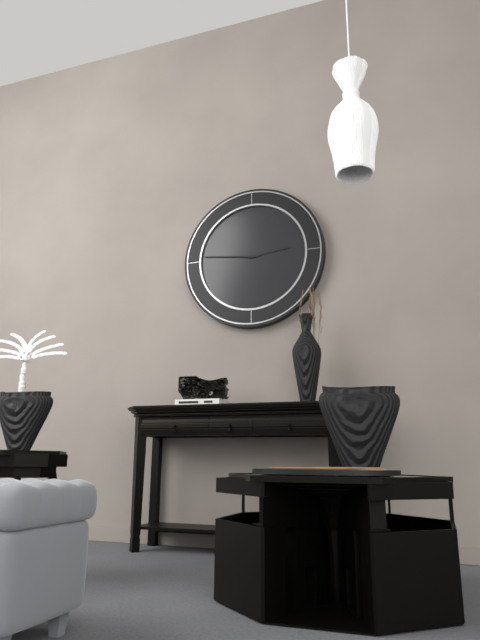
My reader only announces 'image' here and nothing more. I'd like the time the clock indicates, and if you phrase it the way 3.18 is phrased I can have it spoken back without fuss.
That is 2.46
